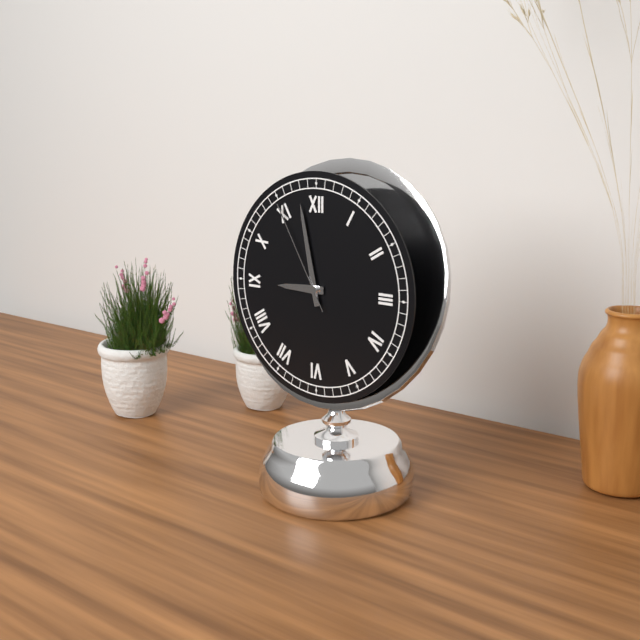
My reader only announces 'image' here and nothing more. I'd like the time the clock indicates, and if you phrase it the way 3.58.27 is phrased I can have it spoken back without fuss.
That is 8.58.55
